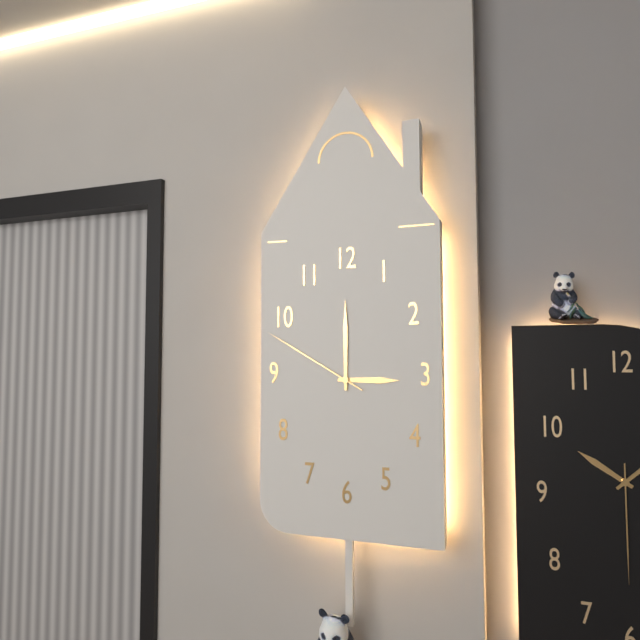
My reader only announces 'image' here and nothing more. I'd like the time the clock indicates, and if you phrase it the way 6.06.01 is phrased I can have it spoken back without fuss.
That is 3.00.50
